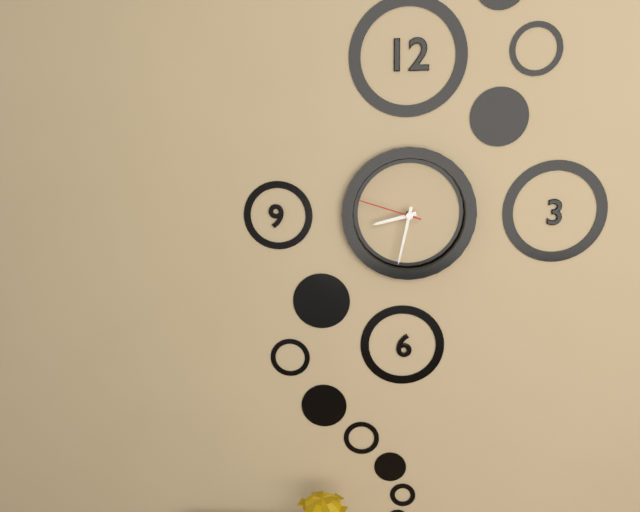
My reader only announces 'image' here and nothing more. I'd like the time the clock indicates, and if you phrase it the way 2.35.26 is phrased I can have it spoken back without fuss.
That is 8.32.48
